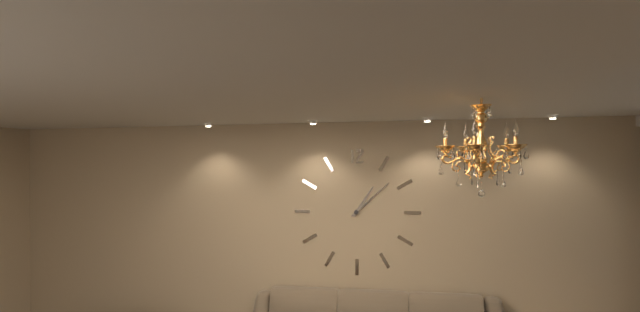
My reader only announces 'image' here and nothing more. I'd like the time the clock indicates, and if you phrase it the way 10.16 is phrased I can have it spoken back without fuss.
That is 1.08
